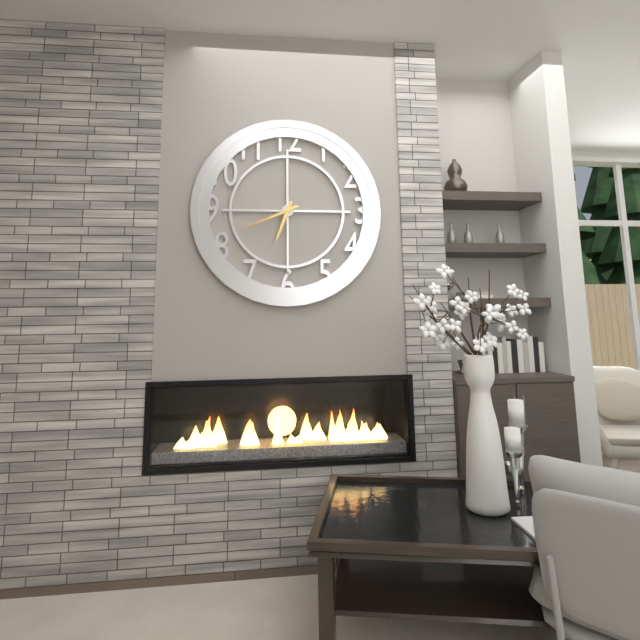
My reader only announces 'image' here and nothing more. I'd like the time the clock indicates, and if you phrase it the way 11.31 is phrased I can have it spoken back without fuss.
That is 6.41
